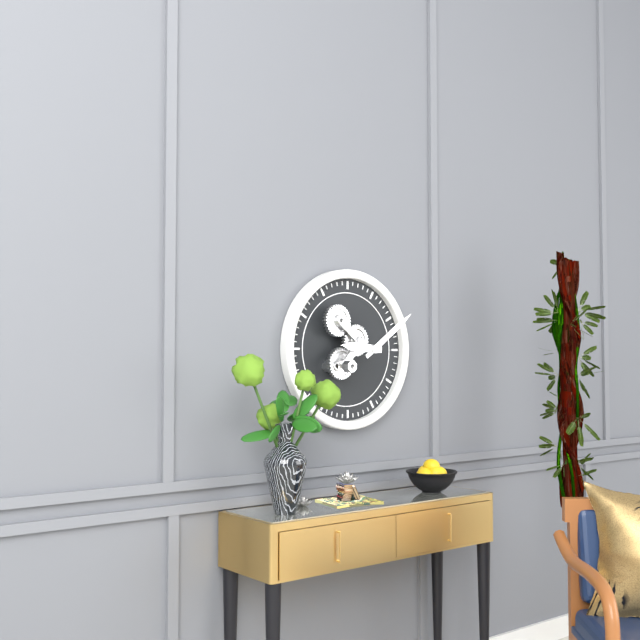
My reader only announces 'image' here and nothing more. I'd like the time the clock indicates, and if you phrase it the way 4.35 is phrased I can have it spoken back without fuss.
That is 9.09
